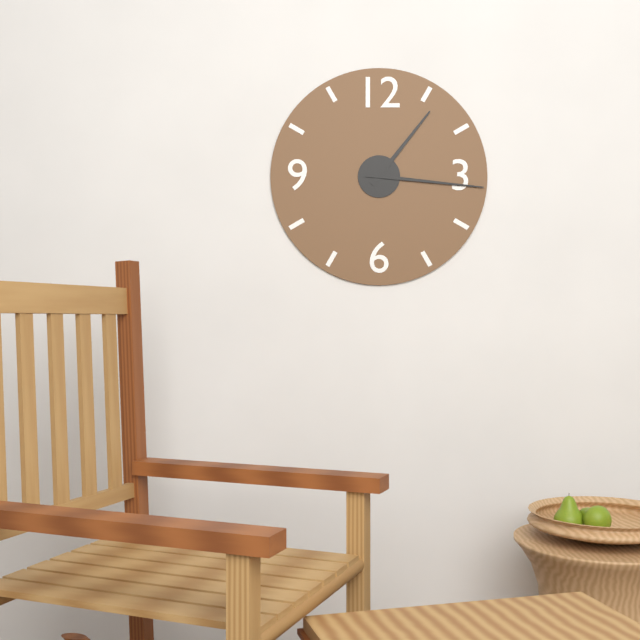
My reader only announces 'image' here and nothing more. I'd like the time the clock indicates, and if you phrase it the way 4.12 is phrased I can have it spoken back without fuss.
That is 1.16
